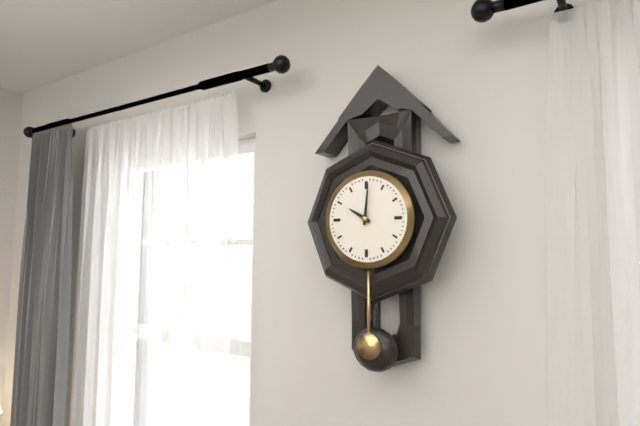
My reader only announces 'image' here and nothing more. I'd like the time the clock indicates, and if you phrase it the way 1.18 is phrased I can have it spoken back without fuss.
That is 10.01
